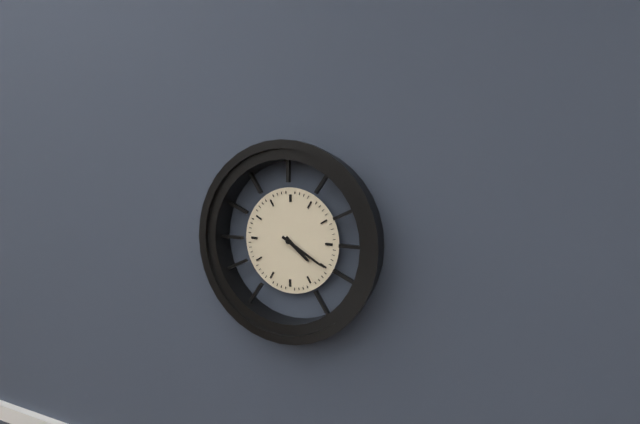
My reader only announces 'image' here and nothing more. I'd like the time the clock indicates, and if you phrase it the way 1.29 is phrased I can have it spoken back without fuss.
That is 4.20
